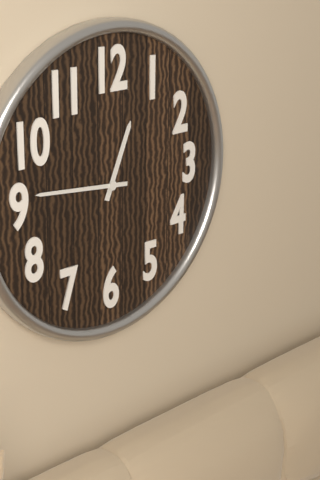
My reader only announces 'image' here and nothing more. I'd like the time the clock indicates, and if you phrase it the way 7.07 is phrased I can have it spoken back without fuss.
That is 12.46
